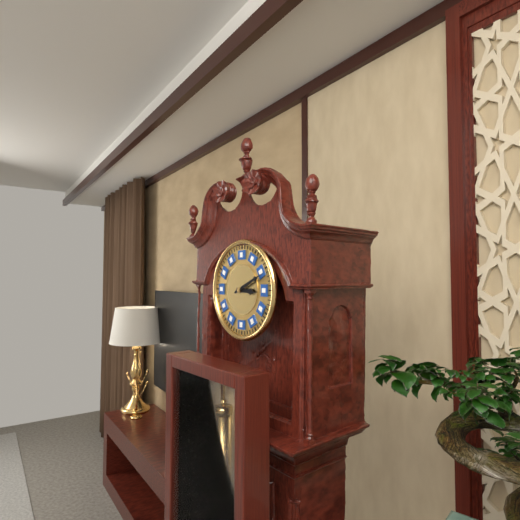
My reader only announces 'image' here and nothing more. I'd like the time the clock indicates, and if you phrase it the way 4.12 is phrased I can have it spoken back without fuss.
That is 3.11
